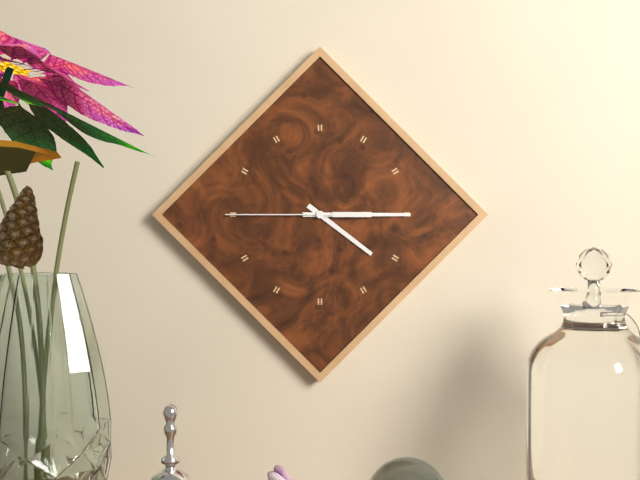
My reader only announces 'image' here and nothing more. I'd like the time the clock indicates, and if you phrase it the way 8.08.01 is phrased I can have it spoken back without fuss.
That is 4.15.45
